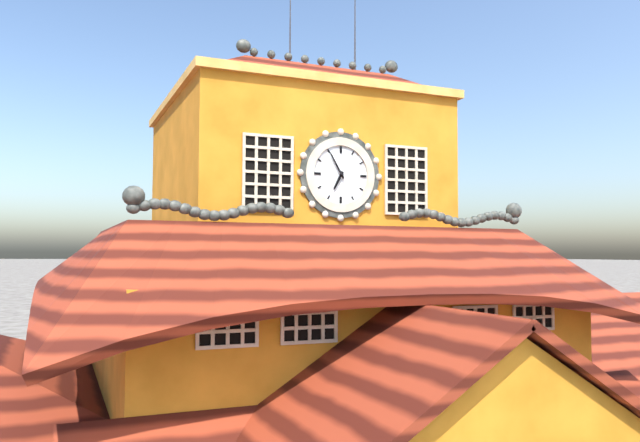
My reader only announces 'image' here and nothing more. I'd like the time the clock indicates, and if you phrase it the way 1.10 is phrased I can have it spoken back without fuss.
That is 6.55
